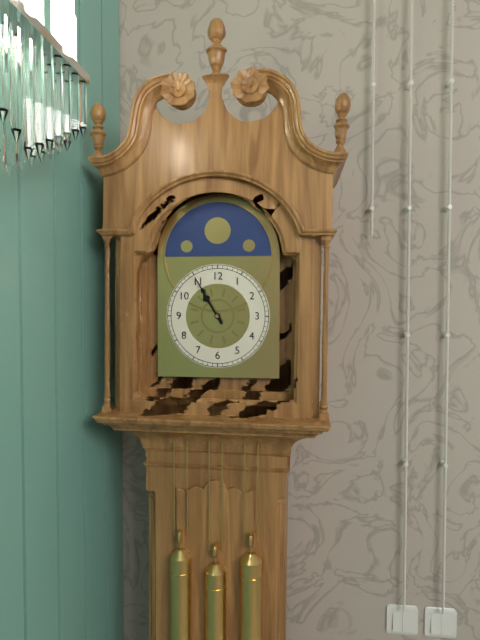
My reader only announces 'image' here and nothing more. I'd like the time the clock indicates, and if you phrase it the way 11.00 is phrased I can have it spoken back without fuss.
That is 10.55
